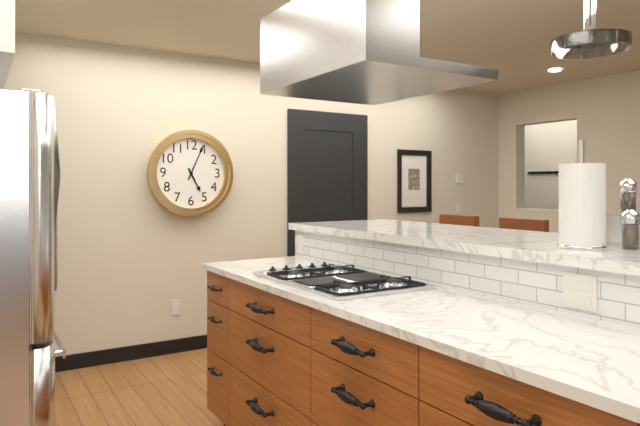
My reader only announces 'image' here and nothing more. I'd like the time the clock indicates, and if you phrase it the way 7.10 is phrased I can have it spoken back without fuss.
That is 5.04
